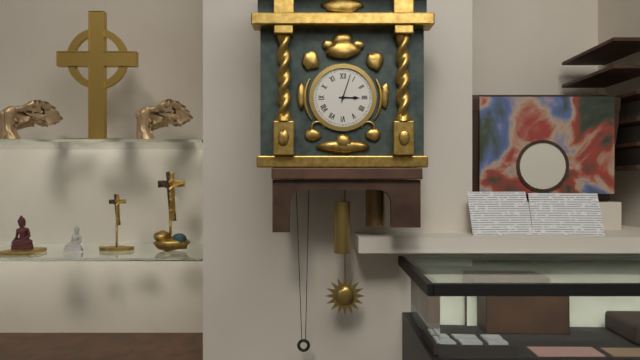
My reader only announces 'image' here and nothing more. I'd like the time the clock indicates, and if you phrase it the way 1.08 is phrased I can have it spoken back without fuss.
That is 3.03
